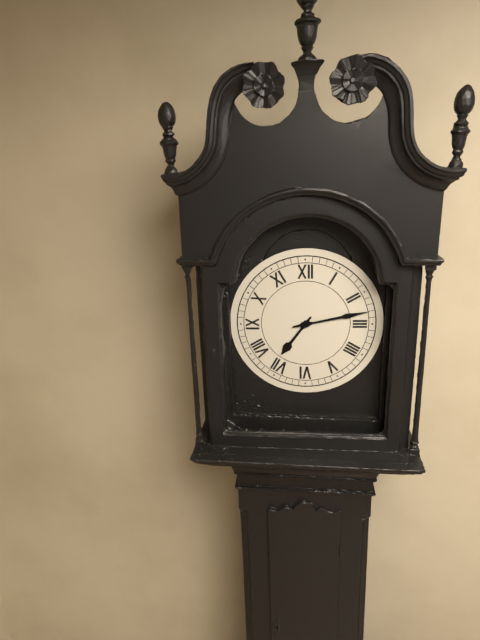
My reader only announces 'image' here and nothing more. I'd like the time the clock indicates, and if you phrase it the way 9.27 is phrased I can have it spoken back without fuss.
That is 7.13
